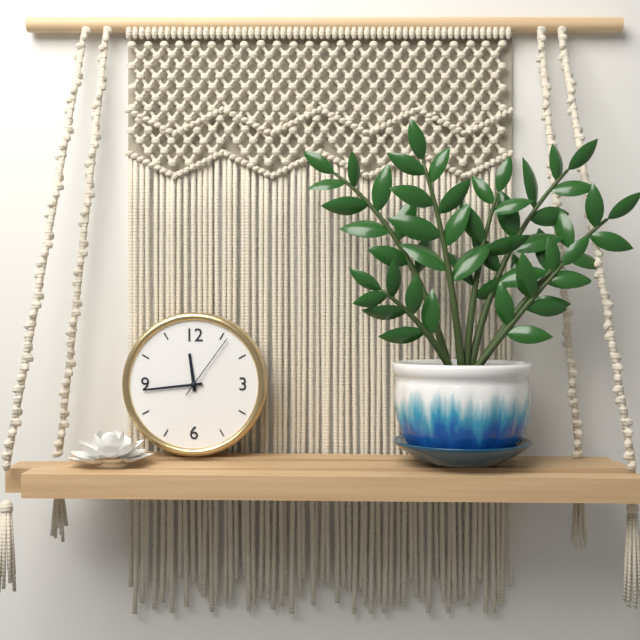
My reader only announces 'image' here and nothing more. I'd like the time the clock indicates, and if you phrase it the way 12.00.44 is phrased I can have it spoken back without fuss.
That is 11.44.06
